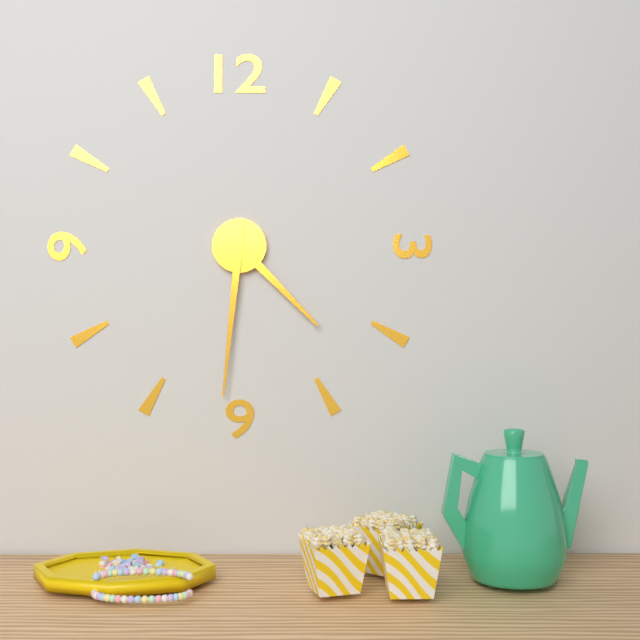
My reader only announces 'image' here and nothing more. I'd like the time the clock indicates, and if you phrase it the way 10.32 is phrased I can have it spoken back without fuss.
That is 4.31
